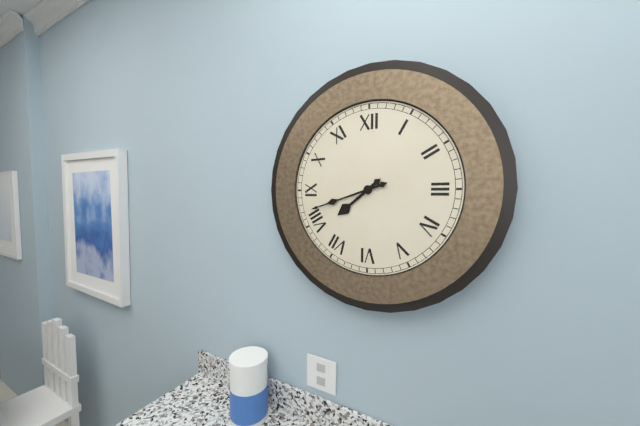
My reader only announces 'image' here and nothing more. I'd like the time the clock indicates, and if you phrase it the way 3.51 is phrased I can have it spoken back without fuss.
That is 7.42
